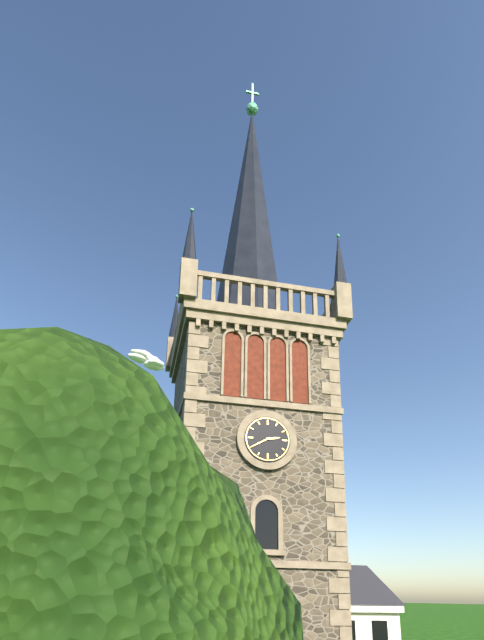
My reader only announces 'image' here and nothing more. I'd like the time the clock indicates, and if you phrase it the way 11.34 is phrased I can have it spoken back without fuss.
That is 2.40
